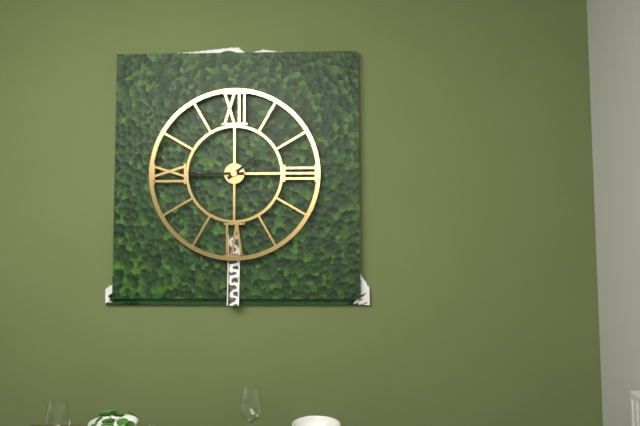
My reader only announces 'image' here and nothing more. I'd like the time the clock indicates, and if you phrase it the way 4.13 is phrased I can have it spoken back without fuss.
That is 1.45
